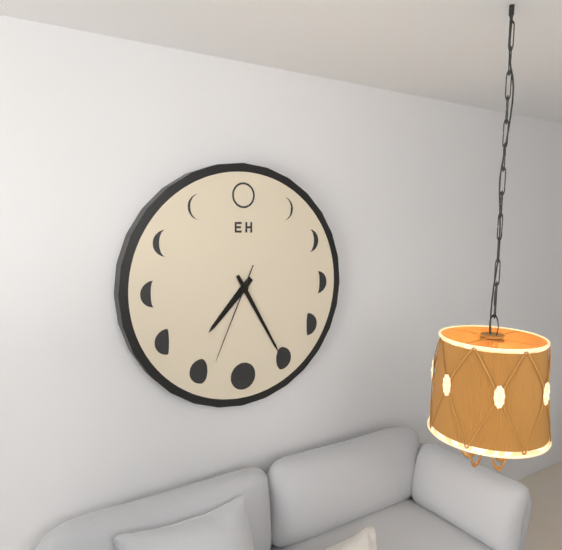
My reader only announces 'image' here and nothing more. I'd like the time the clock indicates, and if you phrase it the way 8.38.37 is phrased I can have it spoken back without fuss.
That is 7.25.34
